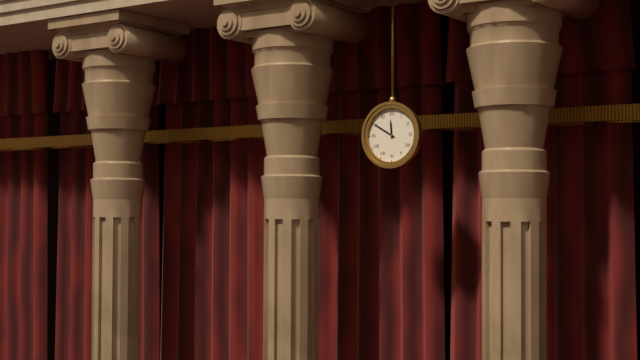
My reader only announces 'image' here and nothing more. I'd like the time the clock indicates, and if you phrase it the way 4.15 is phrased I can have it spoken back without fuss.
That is 11.50
